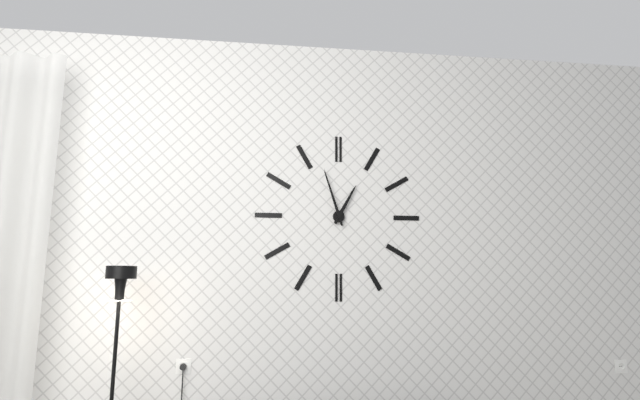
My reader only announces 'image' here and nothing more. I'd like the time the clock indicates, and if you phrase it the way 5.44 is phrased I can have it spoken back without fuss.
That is 12.57
